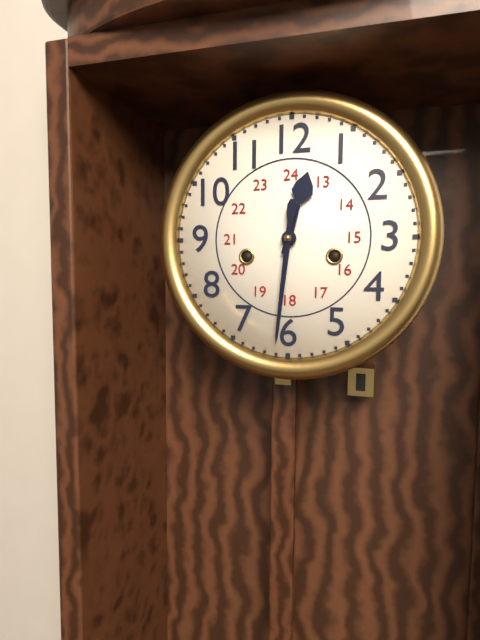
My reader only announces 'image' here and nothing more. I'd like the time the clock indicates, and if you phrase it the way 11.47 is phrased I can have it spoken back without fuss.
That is 12.31
